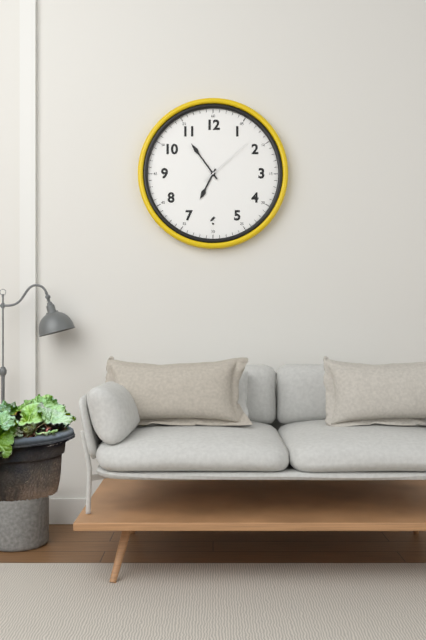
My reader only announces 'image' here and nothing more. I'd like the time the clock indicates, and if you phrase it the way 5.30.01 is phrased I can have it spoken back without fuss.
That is 6.54.08
